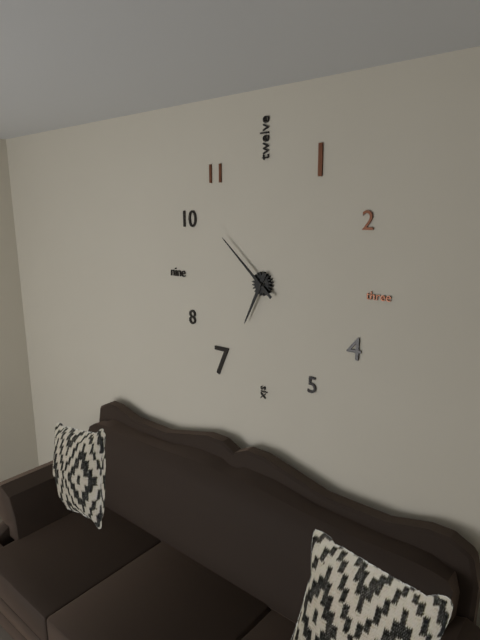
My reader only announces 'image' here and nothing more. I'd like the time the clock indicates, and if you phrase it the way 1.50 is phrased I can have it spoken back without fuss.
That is 6.52
